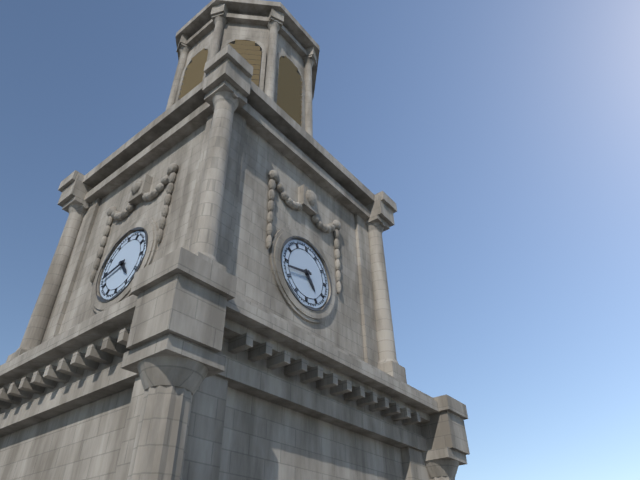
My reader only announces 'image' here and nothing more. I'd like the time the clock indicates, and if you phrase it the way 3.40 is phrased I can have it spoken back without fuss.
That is 4.43
